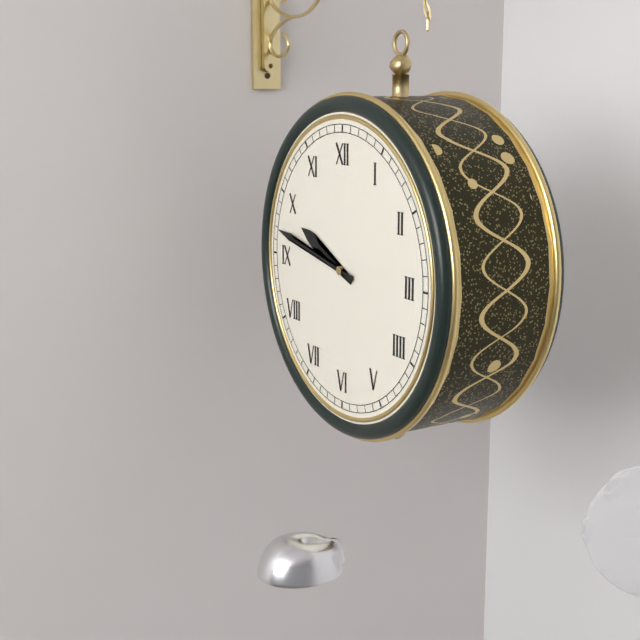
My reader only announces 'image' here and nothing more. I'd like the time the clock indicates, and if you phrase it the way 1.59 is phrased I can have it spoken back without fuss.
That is 9.47
